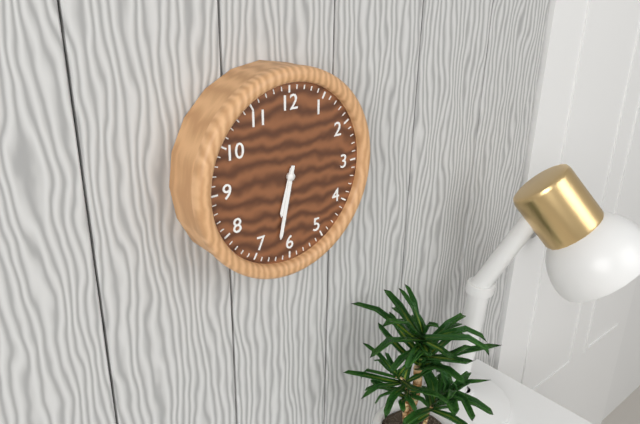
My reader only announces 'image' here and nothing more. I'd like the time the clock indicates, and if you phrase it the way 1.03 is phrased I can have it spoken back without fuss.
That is 6.32
